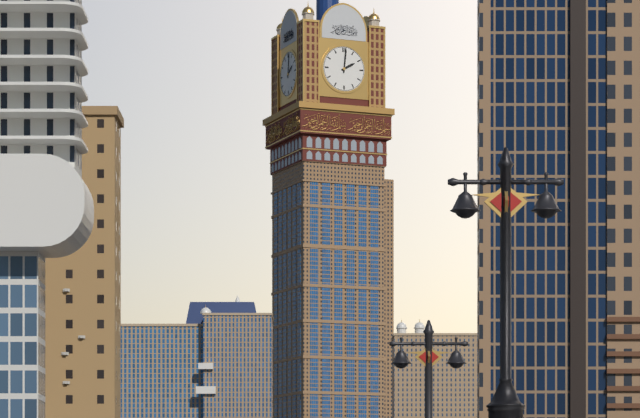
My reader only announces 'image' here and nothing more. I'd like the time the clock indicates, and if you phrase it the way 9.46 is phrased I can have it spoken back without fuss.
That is 2.01
